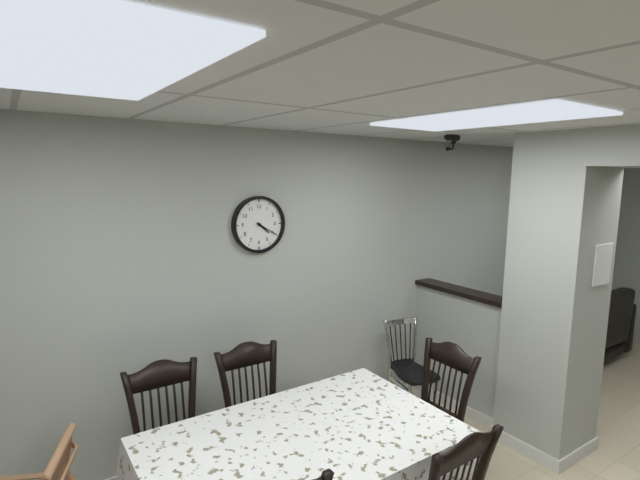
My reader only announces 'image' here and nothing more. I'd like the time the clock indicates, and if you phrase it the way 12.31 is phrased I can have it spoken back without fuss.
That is 4.20
